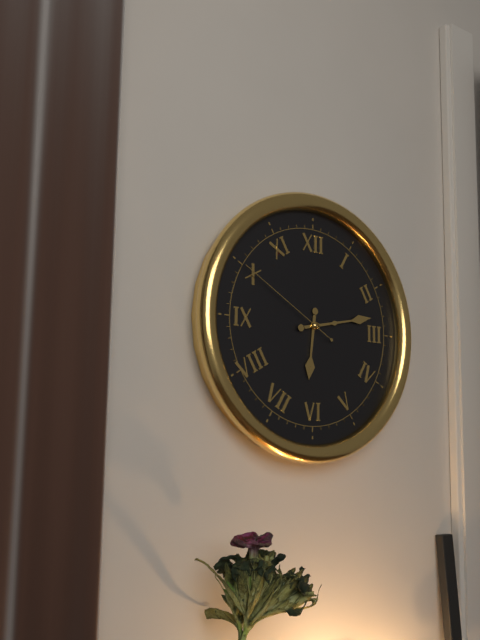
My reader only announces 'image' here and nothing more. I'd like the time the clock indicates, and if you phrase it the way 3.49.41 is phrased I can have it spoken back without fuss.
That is 6.13.50
